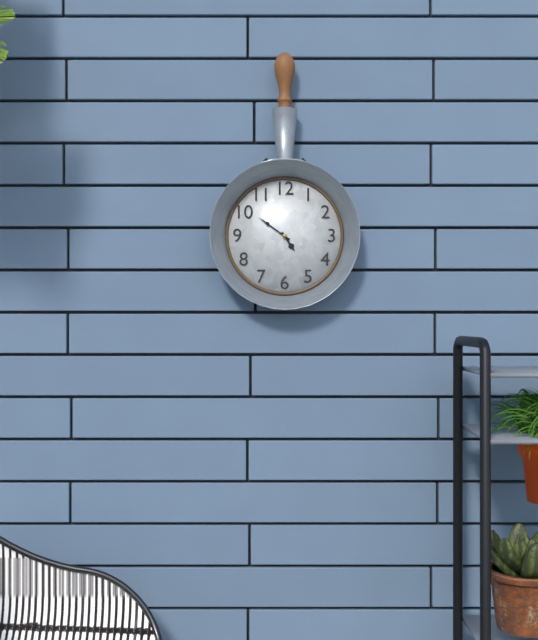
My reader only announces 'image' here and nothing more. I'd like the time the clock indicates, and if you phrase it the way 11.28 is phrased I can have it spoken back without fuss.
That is 4.51
